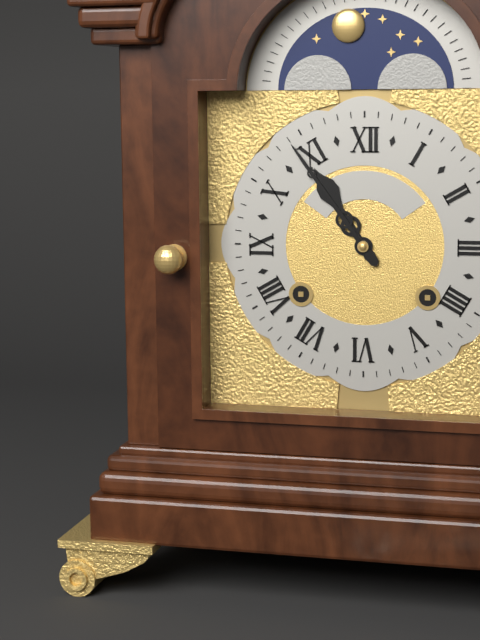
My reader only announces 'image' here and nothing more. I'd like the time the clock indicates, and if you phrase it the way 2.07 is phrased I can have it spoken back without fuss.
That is 10.54
